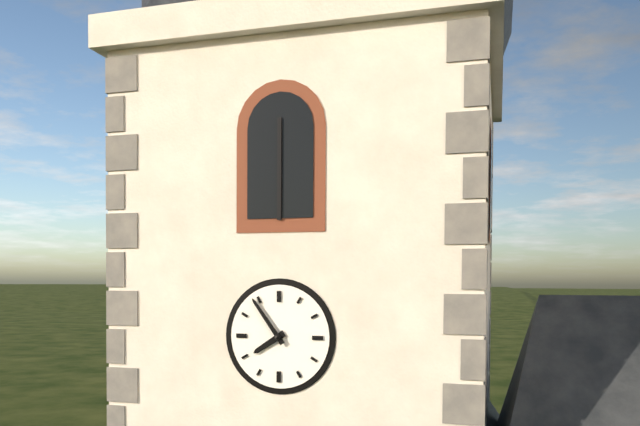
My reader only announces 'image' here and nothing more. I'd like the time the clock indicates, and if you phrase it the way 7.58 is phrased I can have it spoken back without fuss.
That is 7.54
